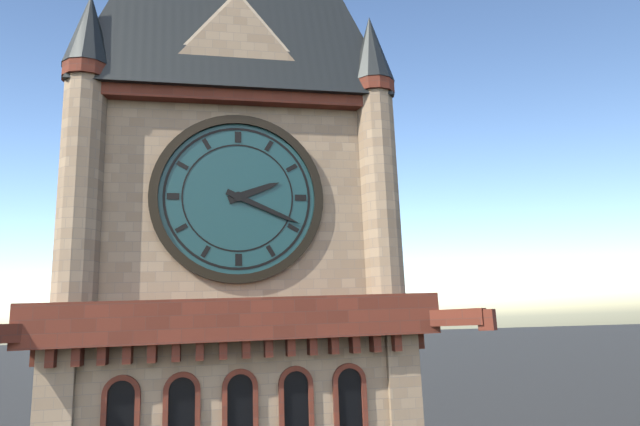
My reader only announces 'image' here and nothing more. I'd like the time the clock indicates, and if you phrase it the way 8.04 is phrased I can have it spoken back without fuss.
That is 2.19
